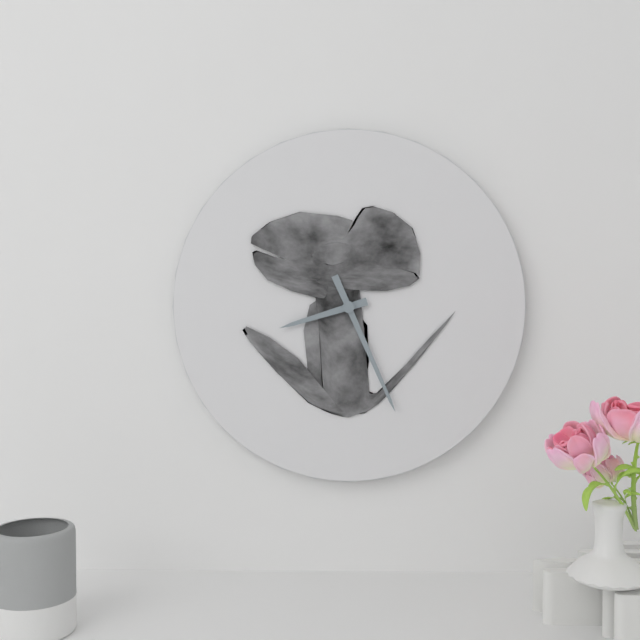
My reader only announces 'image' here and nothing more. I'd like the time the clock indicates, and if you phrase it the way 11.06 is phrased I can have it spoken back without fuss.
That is 8.26
